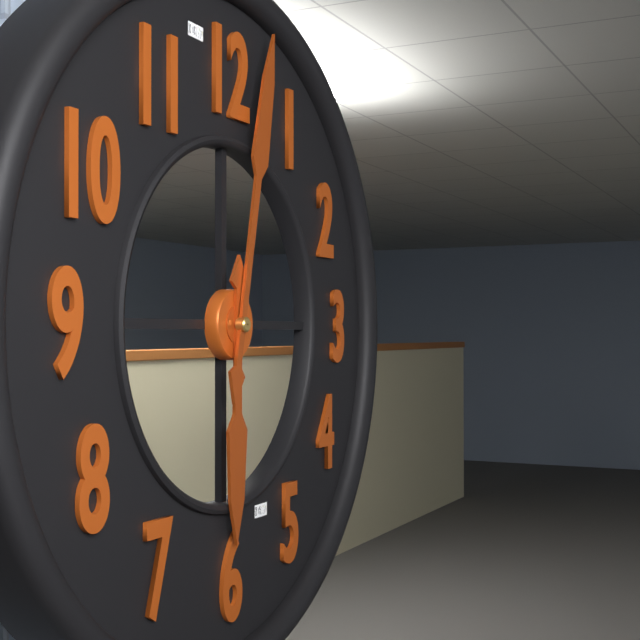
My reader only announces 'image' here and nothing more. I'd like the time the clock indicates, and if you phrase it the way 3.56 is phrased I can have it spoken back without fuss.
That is 6.02
